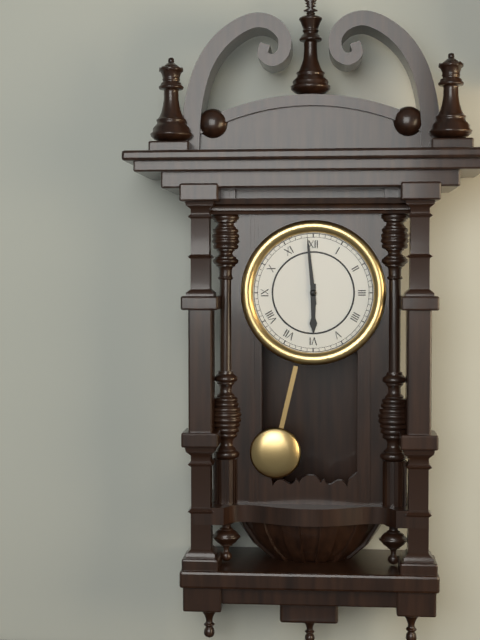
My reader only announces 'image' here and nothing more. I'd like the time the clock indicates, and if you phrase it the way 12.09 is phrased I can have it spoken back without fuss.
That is 5.59
